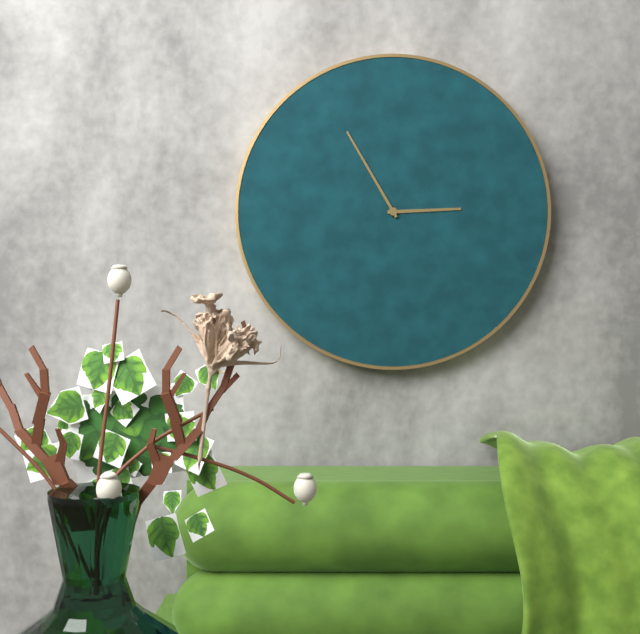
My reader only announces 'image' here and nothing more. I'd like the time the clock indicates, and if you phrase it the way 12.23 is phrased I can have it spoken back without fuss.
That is 2.55
